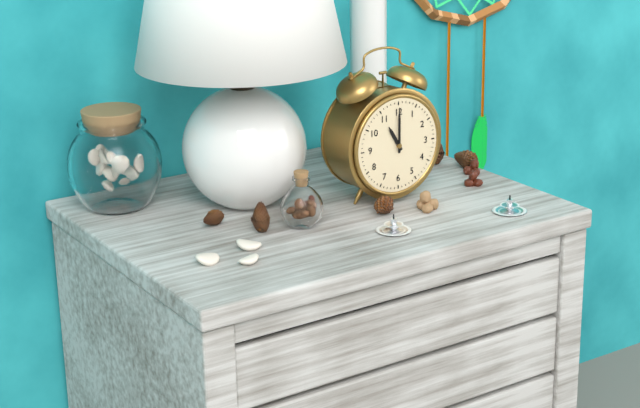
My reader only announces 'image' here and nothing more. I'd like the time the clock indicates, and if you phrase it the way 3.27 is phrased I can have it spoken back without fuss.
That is 11.00
